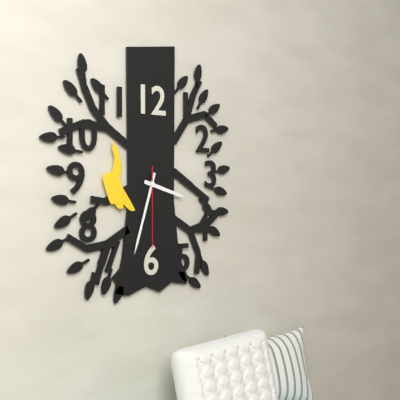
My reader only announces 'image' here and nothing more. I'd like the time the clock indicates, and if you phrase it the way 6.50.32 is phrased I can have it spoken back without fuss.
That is 3.33.30
